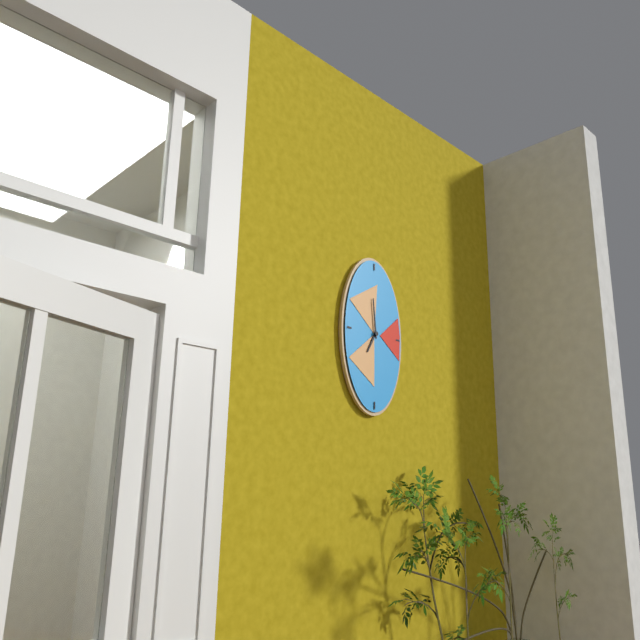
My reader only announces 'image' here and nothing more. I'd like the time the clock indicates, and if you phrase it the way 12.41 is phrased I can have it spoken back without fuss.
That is 6.59
